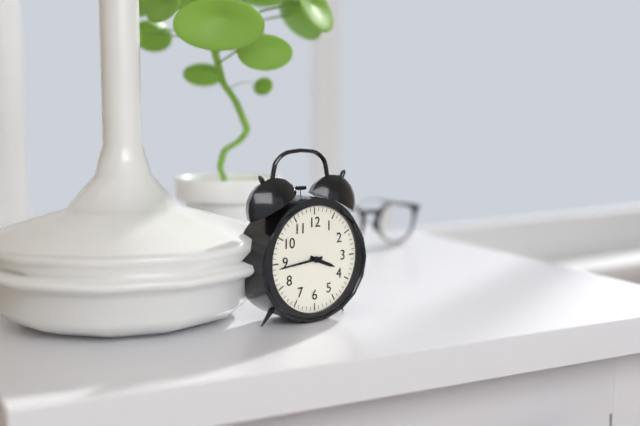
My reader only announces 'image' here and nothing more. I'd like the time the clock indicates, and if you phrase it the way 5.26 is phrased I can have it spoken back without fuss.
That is 3.44
